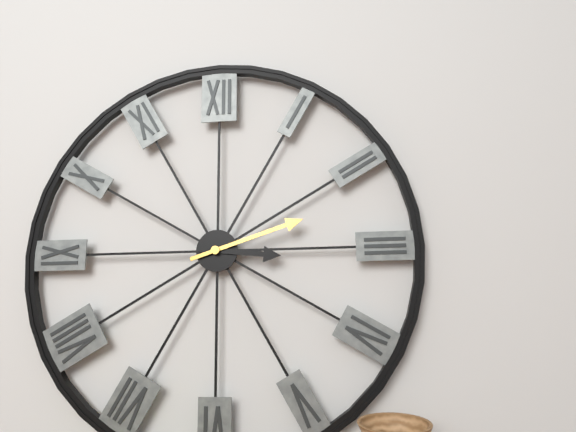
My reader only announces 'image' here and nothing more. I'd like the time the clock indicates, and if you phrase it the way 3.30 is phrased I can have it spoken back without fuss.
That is 3.12
